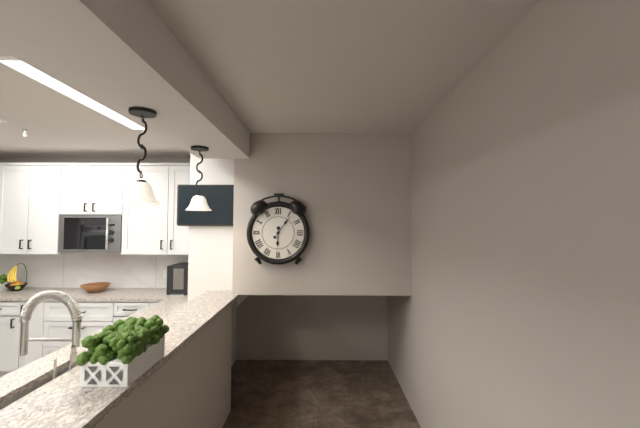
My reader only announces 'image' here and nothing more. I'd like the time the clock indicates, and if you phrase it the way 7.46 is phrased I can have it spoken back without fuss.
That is 6.06
